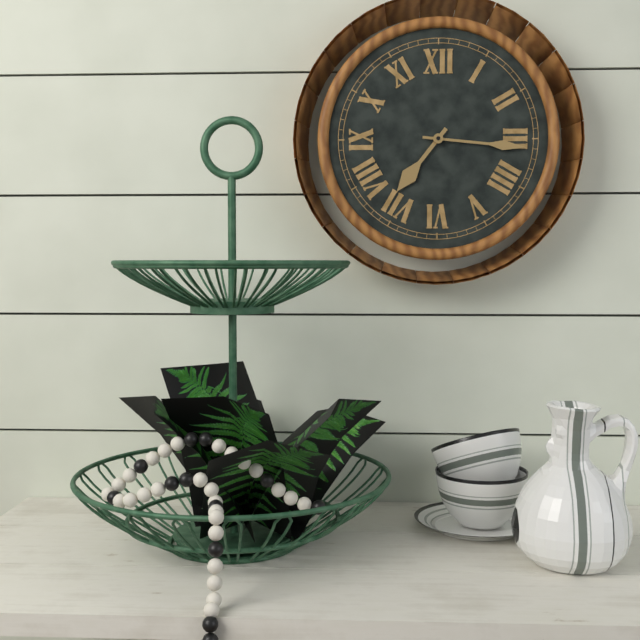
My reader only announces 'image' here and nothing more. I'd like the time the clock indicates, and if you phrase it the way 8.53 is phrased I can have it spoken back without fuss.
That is 7.16
